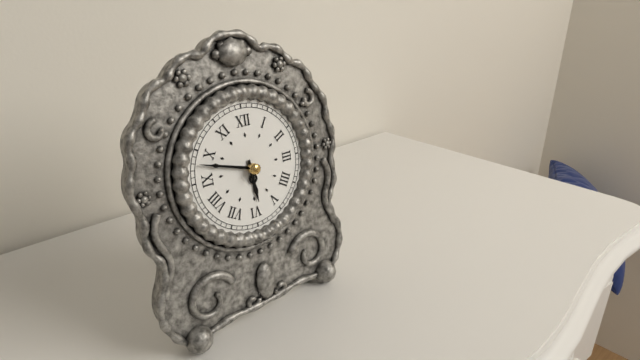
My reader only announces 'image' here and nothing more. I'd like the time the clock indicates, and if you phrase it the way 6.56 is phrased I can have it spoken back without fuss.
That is 5.48
